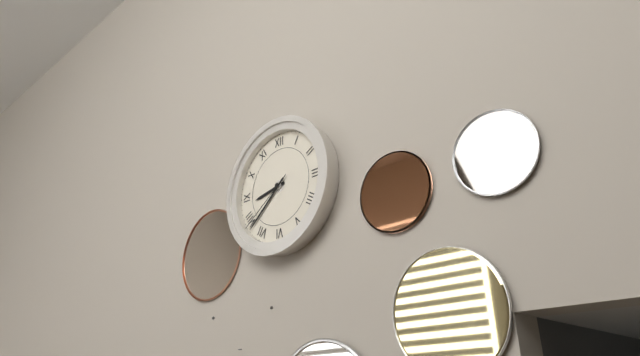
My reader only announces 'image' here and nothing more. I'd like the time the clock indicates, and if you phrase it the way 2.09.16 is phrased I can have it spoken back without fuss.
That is 8.38.39
